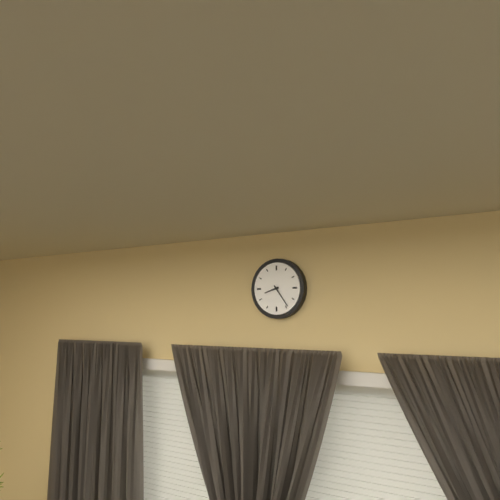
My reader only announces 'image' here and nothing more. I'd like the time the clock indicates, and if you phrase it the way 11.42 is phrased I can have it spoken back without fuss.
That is 8.24
